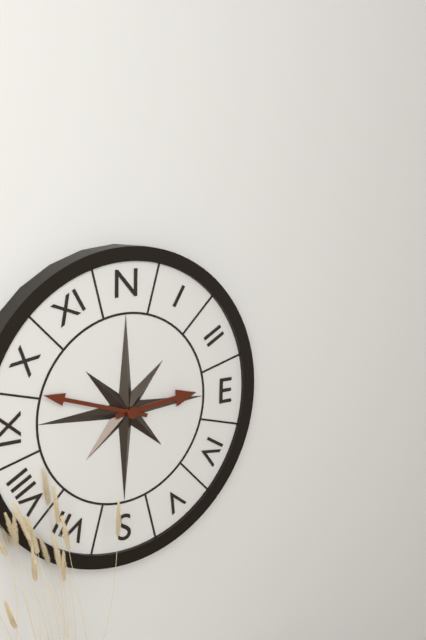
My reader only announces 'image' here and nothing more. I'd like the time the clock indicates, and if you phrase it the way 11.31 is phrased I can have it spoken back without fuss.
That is 2.48
